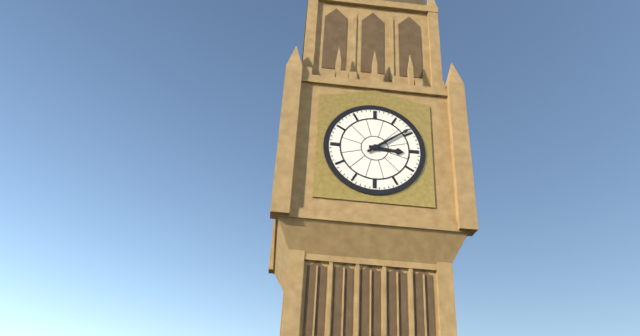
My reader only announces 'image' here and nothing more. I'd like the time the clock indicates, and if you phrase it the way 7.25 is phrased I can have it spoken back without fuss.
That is 3.09
